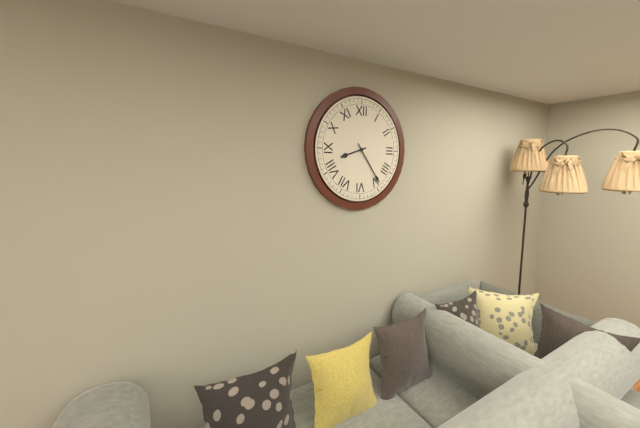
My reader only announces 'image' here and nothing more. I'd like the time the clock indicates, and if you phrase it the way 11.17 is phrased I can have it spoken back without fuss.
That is 8.24
